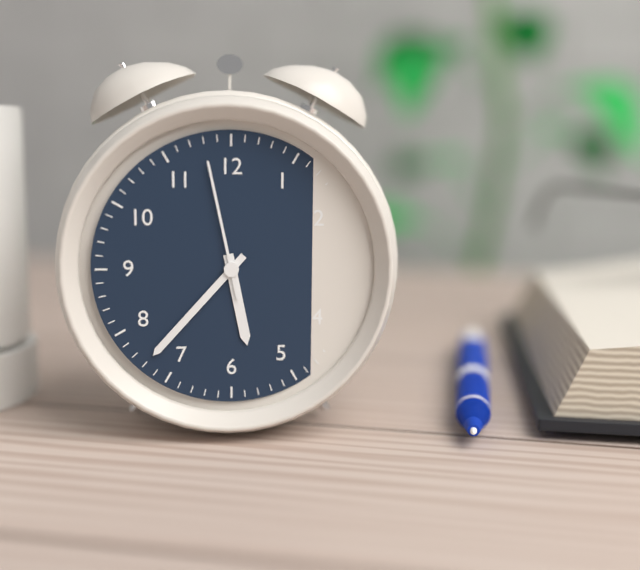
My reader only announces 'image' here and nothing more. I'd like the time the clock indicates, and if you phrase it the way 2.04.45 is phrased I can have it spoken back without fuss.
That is 5.37.58
